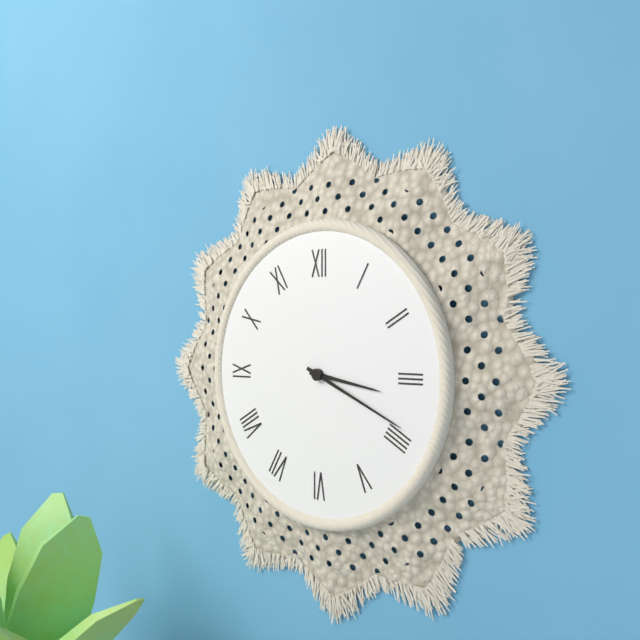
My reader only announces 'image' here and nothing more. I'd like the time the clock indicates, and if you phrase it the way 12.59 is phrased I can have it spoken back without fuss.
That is 3.19
